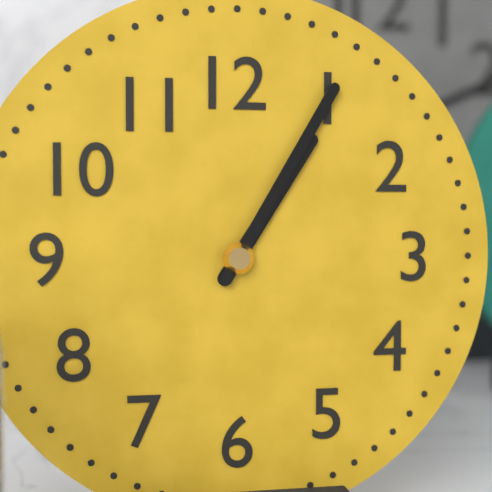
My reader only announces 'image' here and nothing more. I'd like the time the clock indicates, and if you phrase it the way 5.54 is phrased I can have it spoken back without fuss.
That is 1.05
